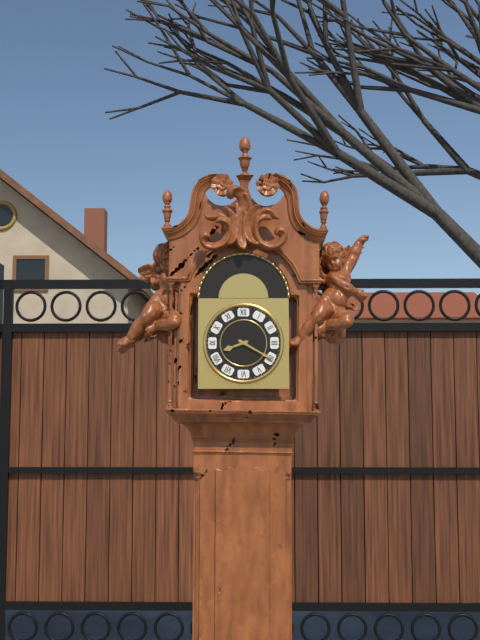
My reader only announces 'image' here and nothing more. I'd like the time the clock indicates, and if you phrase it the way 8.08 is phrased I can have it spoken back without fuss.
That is 8.20
